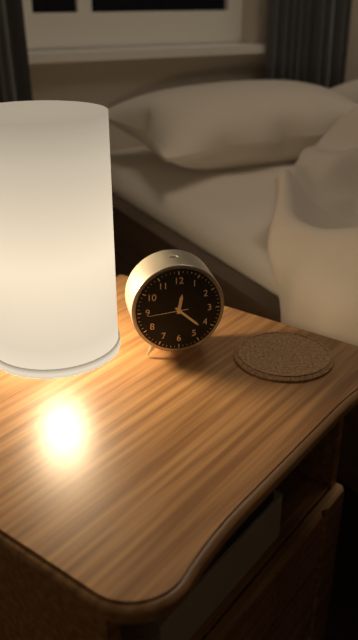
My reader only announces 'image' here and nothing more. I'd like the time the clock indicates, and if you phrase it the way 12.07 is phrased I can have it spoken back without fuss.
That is 12.22
